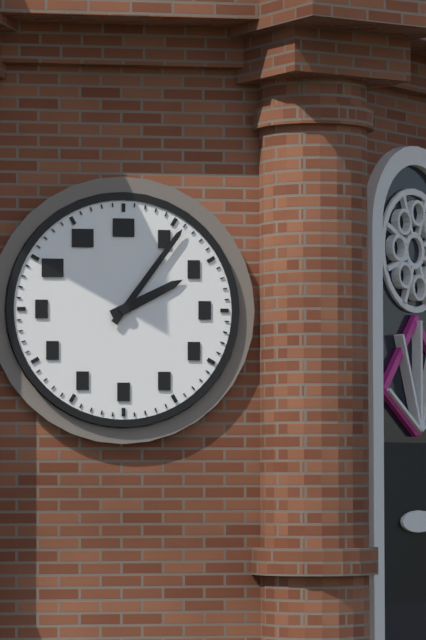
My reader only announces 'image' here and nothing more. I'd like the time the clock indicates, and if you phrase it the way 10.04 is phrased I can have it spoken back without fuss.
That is 2.06
